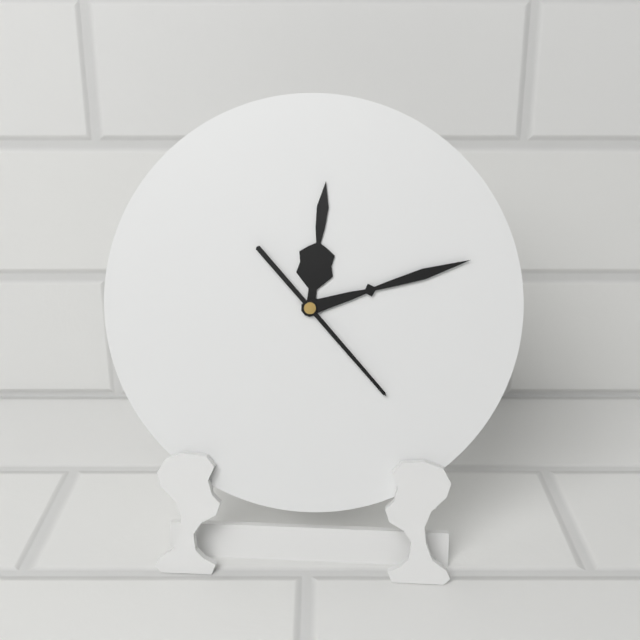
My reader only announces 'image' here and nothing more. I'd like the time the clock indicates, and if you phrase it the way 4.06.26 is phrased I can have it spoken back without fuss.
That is 12.12.23
